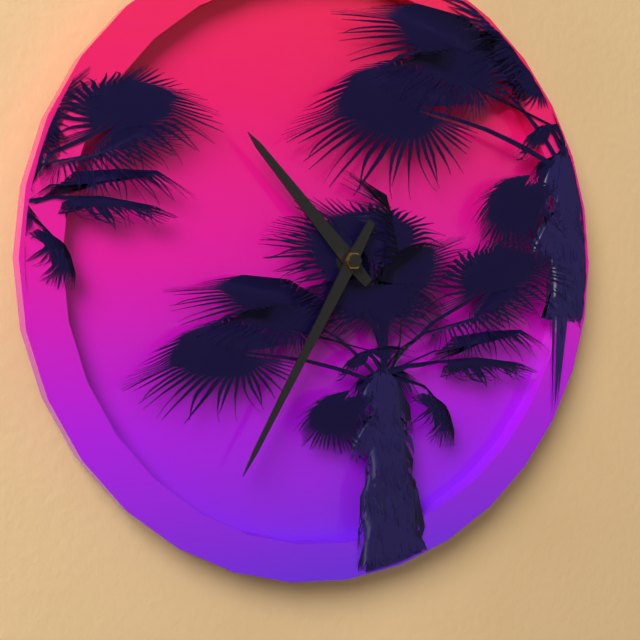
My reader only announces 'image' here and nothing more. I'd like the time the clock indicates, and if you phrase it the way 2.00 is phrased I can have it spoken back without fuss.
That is 10.35
